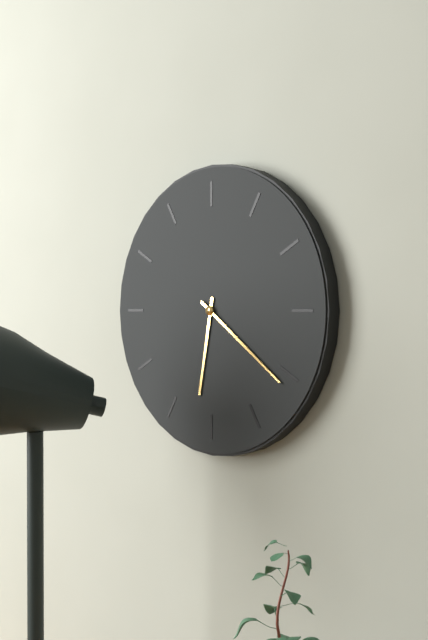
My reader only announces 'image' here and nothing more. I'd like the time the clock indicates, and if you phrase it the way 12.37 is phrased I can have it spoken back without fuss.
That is 6.21
